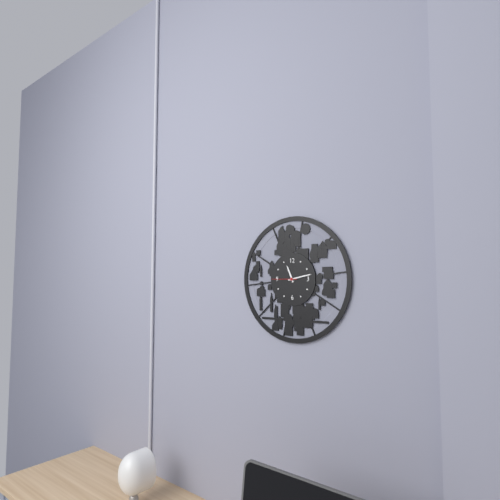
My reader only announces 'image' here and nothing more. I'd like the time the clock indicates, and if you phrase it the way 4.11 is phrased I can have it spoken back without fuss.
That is 11.13
